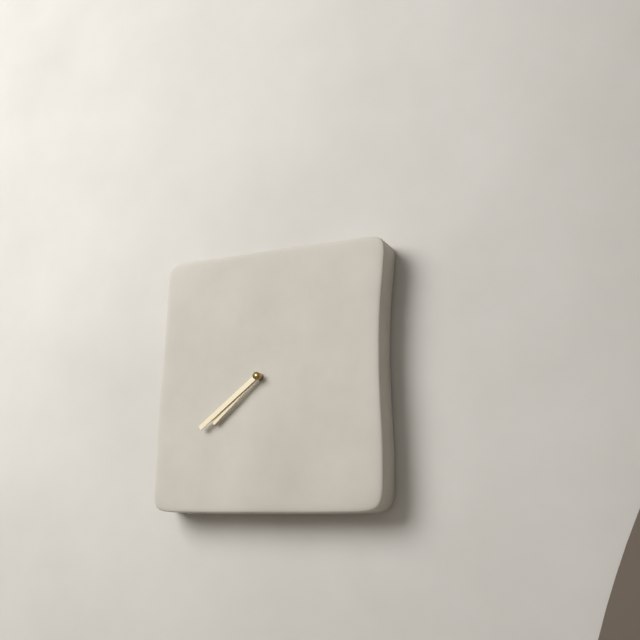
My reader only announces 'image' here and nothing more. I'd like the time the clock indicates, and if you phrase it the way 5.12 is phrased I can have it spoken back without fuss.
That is 7.39
